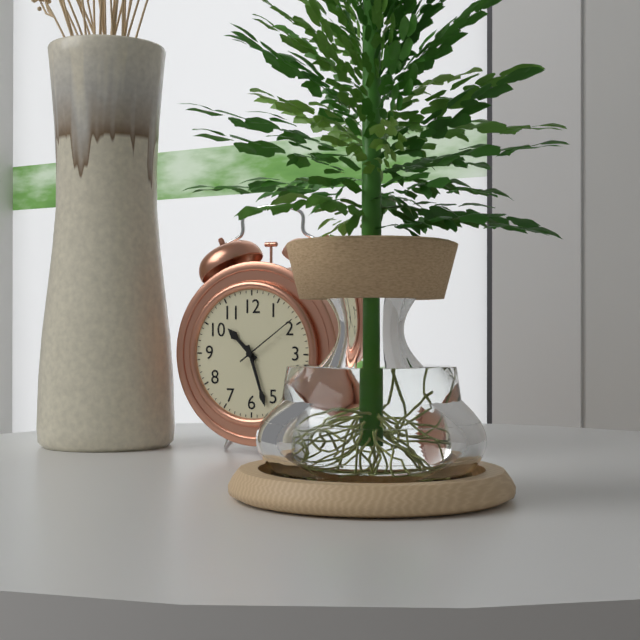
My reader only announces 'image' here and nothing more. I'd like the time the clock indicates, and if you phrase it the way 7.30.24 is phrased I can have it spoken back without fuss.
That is 10.27.09
